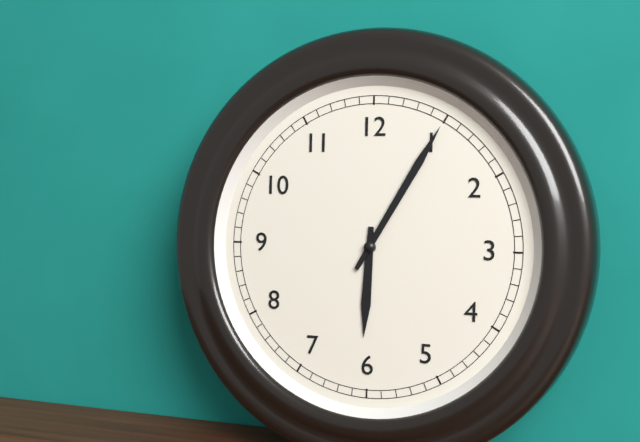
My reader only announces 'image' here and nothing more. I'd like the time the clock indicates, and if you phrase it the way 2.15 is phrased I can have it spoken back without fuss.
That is 6.05
